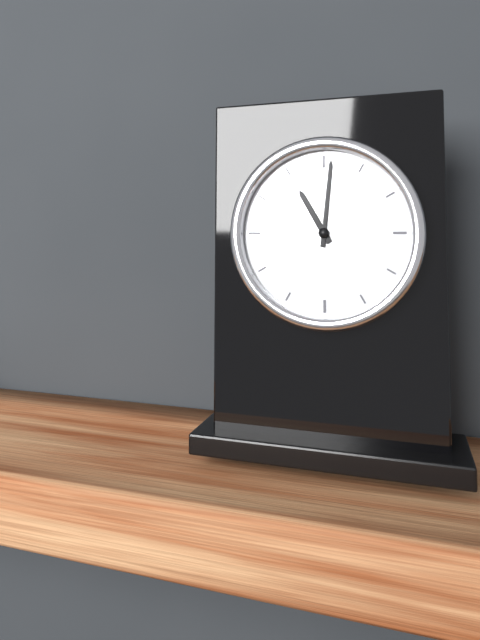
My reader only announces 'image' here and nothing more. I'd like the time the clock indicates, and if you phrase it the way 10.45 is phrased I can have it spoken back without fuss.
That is 11.01
